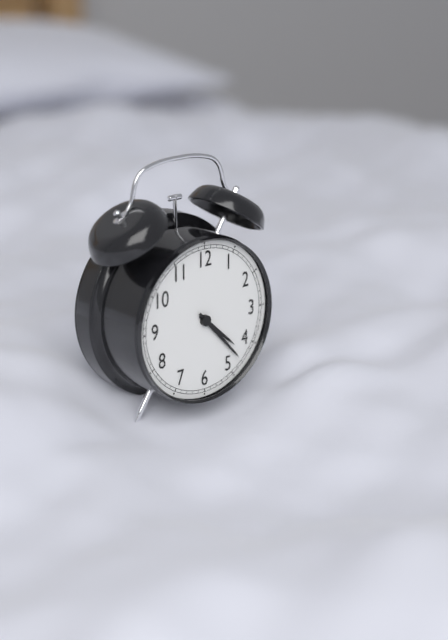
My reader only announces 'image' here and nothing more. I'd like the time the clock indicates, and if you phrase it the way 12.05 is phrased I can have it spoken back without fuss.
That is 4.23
